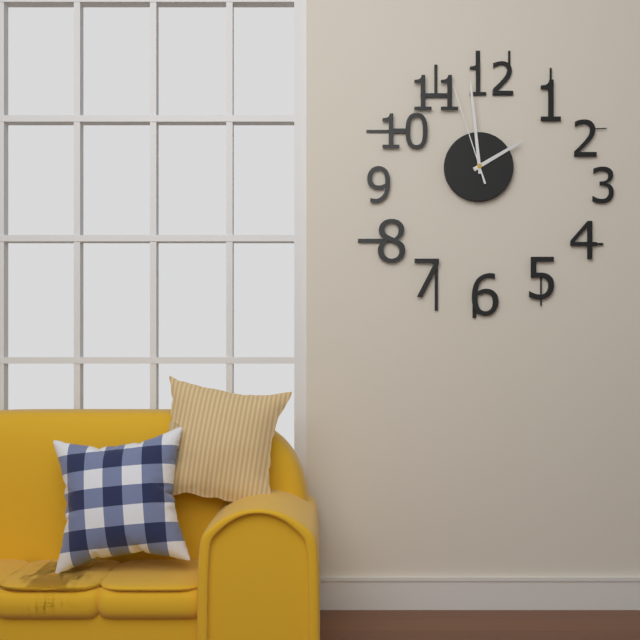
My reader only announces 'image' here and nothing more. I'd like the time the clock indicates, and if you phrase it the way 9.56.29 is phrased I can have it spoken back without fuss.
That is 1.59.57
